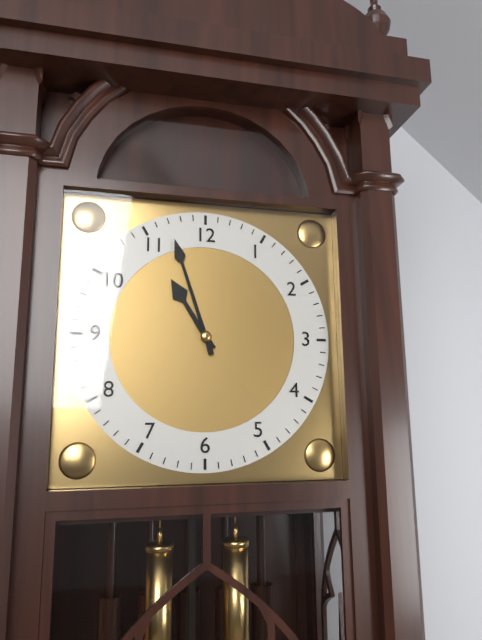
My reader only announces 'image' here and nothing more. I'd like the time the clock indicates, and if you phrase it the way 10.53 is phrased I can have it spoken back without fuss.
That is 10.57
